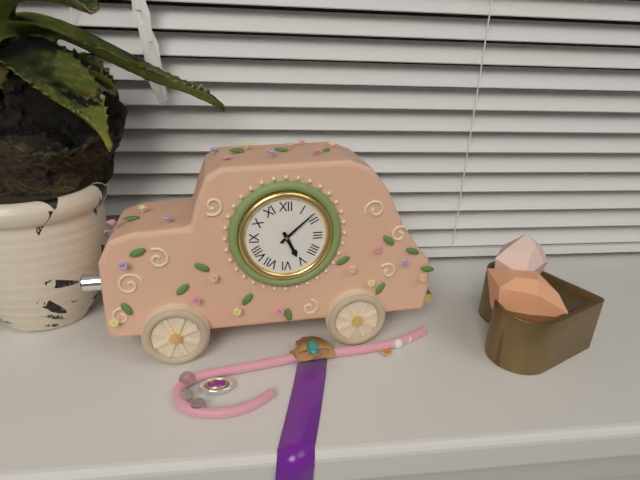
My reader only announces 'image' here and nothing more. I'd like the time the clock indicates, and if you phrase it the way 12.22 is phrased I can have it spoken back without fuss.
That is 5.08
